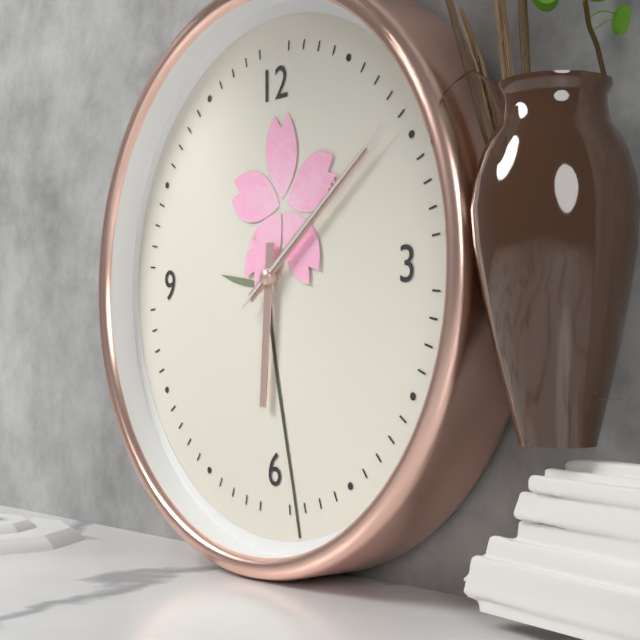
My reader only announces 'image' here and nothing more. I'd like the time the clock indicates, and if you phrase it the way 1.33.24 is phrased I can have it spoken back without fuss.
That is 6.09.09
